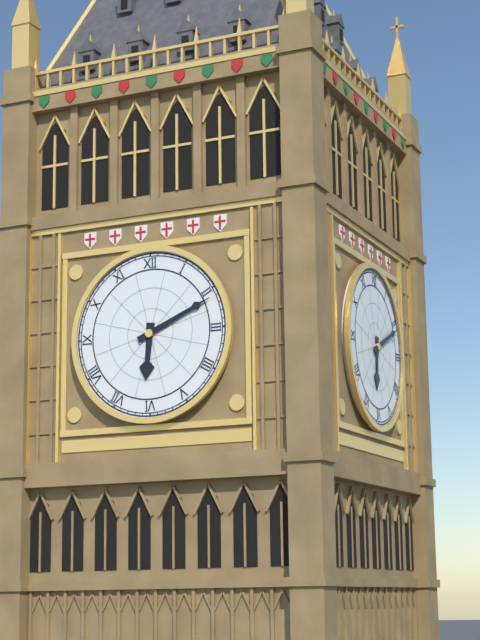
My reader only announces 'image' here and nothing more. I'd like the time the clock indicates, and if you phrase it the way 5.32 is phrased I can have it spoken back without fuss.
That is 6.11
